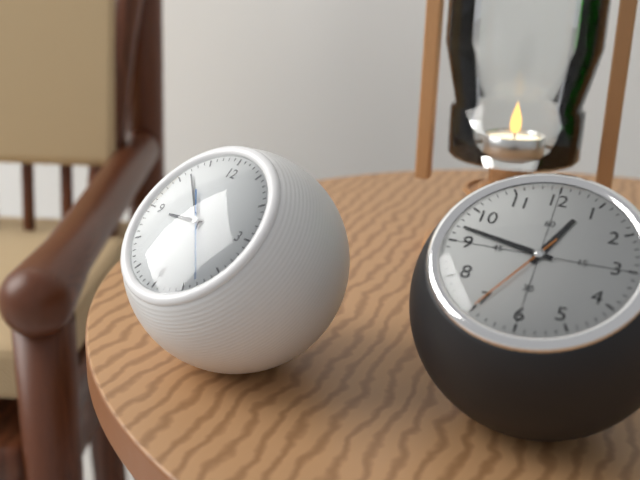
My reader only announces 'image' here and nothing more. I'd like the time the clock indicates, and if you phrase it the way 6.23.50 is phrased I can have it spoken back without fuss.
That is 8.52.23
